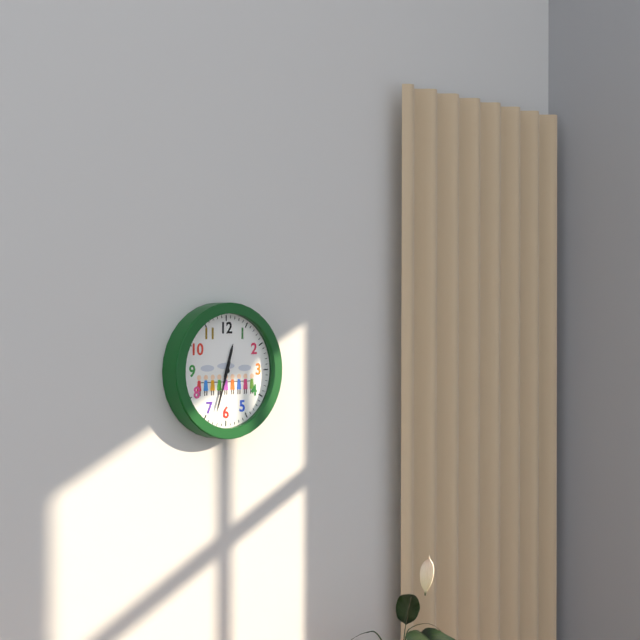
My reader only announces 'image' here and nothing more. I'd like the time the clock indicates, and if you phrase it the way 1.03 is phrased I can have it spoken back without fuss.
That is 12.33
